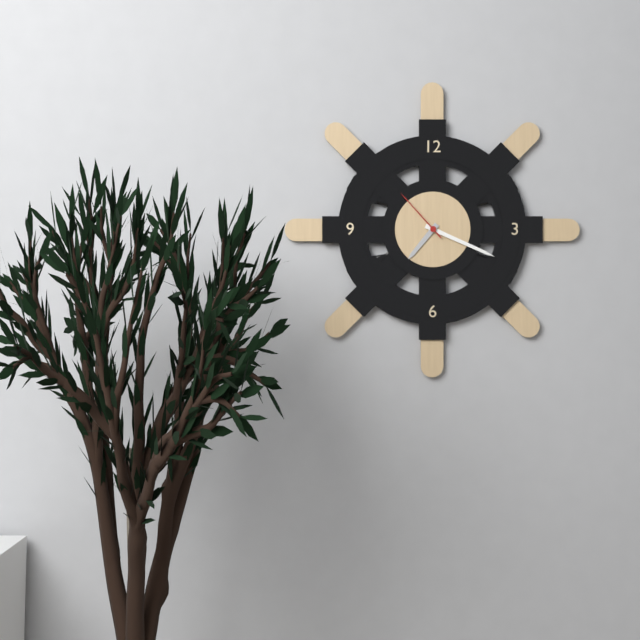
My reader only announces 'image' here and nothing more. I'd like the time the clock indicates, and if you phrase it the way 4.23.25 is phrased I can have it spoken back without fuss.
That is 7.19.53
